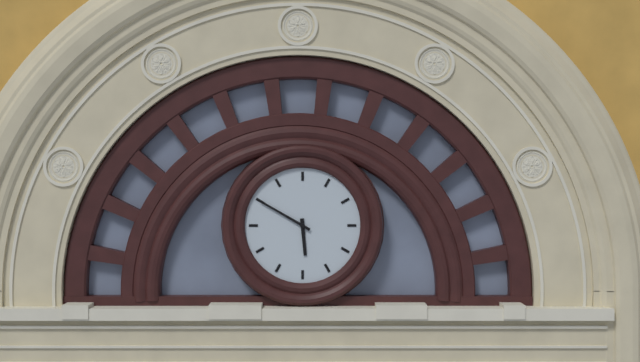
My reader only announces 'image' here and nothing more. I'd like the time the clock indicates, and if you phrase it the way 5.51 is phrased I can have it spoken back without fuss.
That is 5.50
